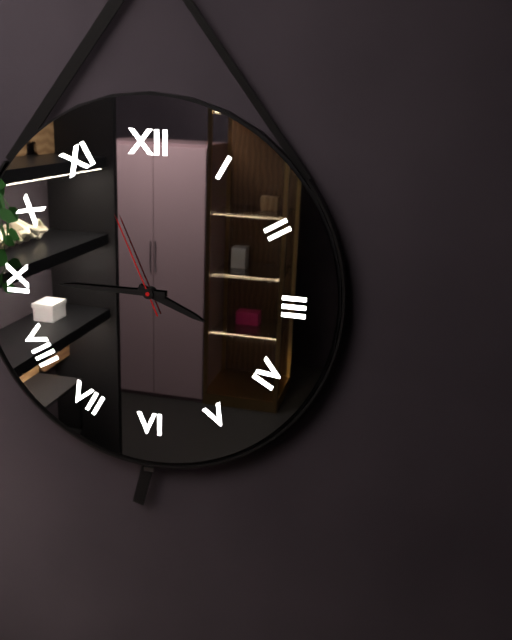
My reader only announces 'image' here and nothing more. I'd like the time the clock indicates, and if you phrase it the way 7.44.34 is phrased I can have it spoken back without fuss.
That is 3.45.56
